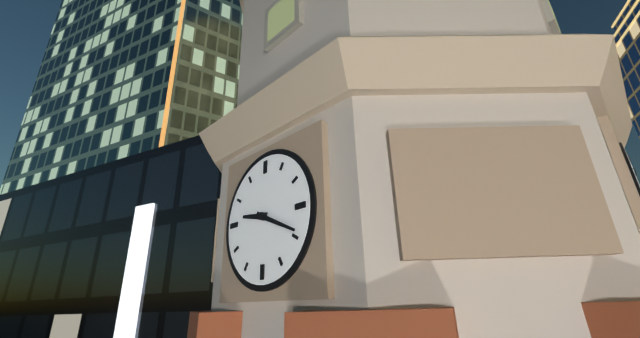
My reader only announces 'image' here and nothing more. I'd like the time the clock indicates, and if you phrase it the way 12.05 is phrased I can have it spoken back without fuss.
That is 9.19
